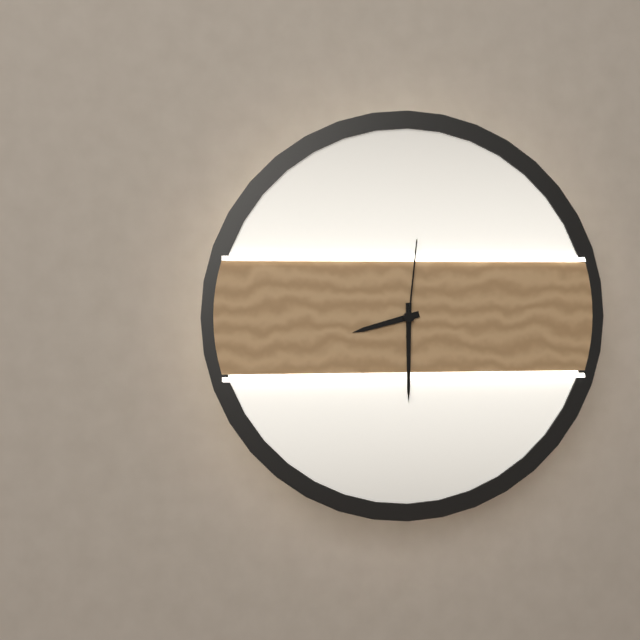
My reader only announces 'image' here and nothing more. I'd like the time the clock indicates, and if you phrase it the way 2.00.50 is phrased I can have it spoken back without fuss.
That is 8.30.01
